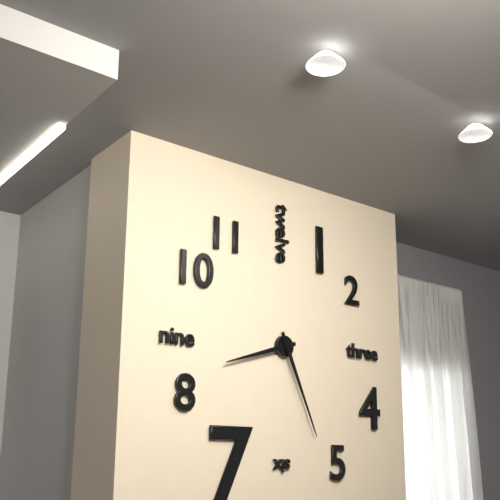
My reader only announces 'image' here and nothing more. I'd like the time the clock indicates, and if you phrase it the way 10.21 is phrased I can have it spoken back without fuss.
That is 8.26
